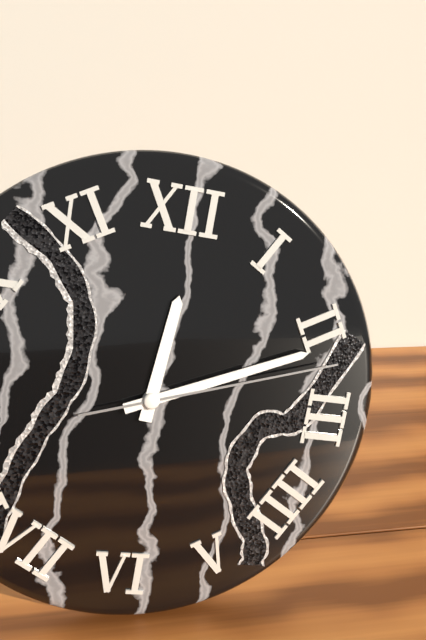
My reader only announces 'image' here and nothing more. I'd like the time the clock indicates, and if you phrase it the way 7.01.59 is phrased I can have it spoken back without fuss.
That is 12.11.12
